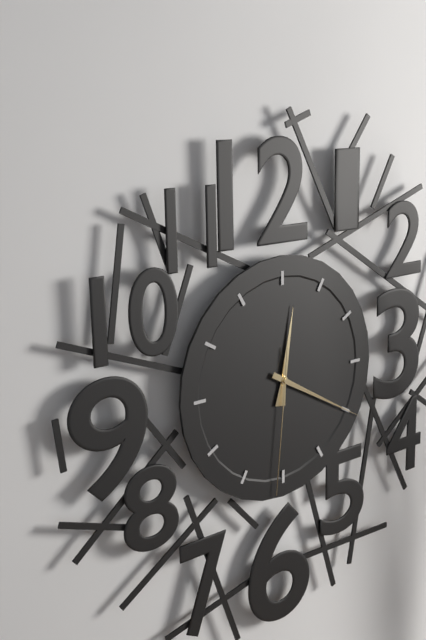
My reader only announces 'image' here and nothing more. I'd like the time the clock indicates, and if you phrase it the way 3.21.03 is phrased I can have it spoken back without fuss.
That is 12.20.31
